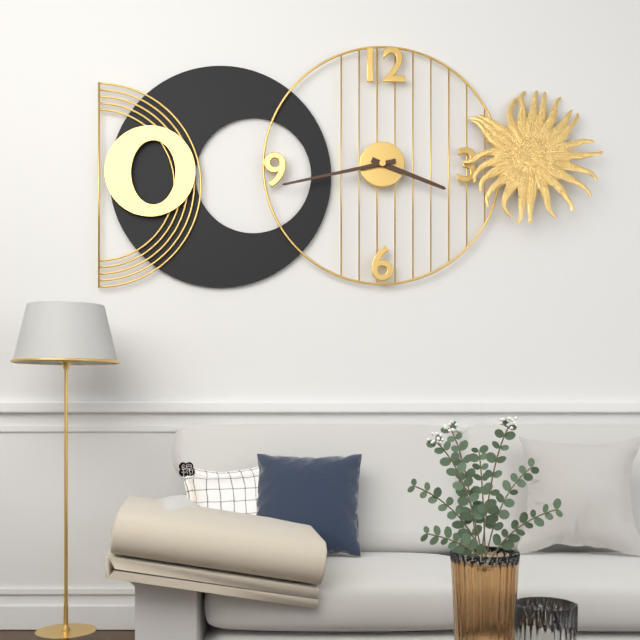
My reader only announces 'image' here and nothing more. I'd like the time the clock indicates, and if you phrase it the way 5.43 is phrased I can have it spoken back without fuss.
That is 3.43
